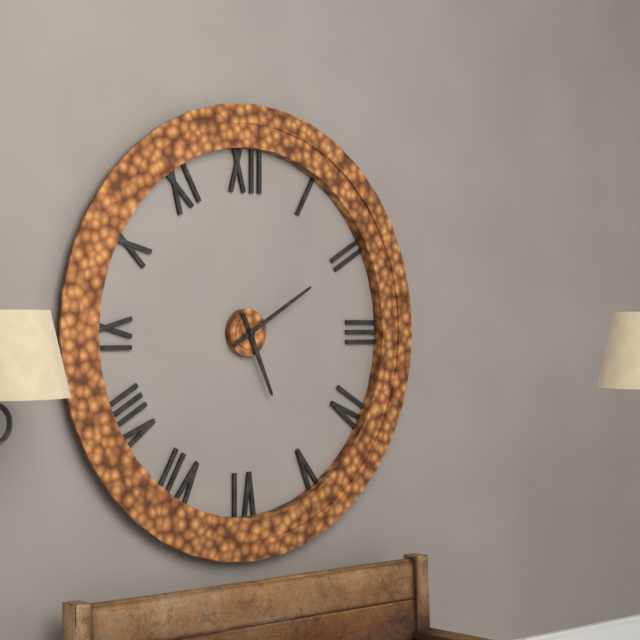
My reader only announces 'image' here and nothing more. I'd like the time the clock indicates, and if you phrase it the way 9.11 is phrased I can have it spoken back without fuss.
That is 5.10
